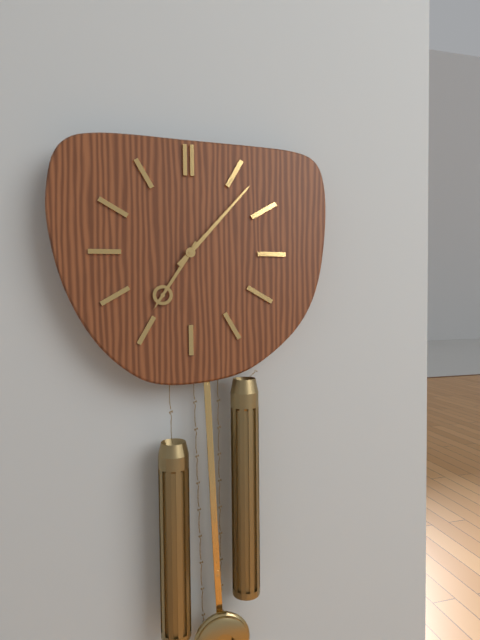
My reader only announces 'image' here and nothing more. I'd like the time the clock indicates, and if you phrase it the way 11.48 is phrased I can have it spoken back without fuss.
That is 7.07
